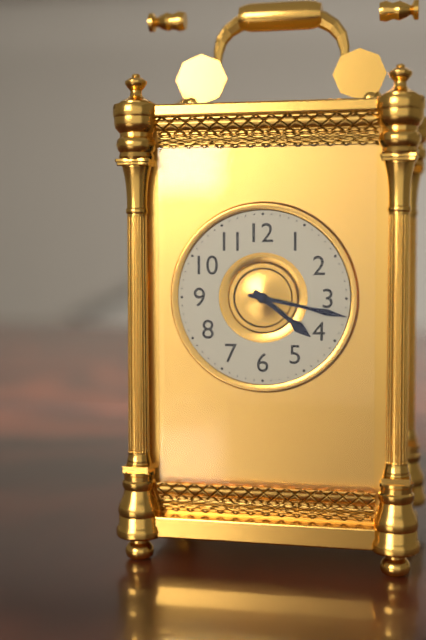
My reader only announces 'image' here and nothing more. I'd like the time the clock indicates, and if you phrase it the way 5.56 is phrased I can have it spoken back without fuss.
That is 4.17
